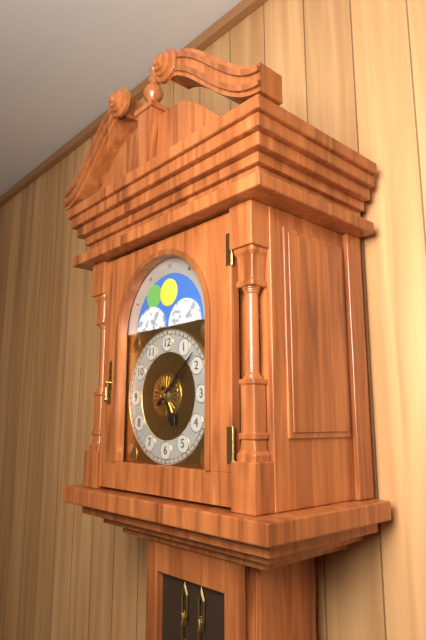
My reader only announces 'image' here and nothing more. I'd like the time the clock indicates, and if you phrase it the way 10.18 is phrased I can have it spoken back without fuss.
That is 5.08
